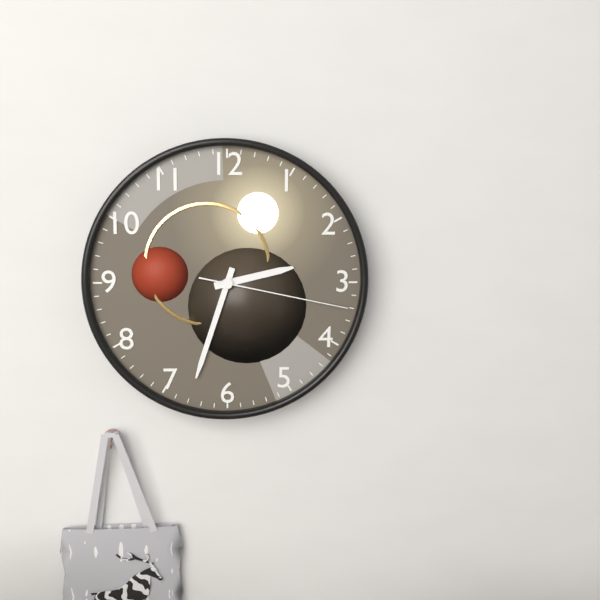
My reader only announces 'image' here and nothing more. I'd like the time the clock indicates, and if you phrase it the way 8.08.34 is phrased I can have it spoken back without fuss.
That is 2.33.17
